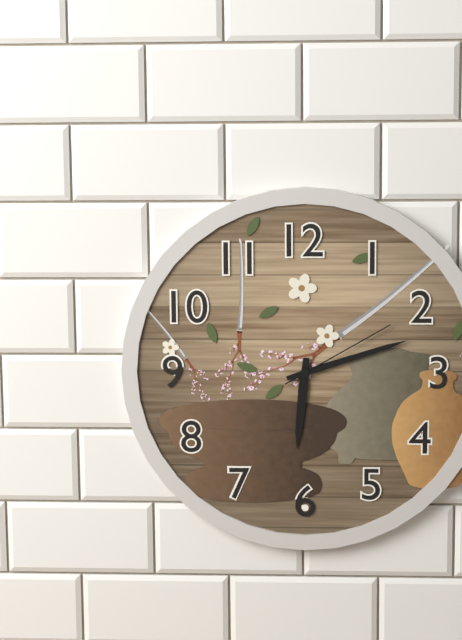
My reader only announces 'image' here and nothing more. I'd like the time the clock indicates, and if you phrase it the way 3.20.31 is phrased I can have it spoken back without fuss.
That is 6.12.10
